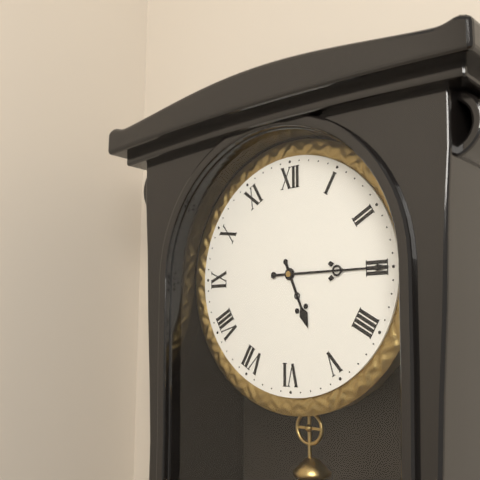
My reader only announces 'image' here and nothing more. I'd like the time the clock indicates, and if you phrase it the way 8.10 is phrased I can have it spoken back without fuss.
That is 5.15
